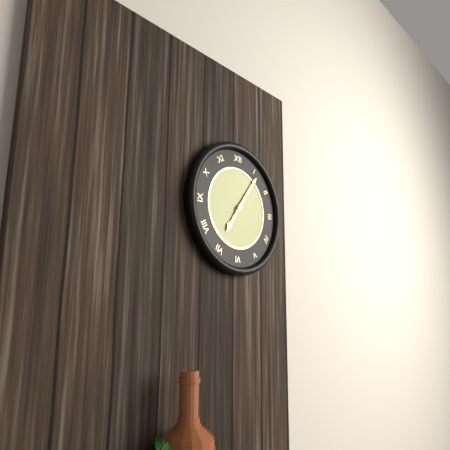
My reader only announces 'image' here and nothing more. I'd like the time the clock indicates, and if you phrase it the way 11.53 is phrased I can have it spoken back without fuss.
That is 7.06
